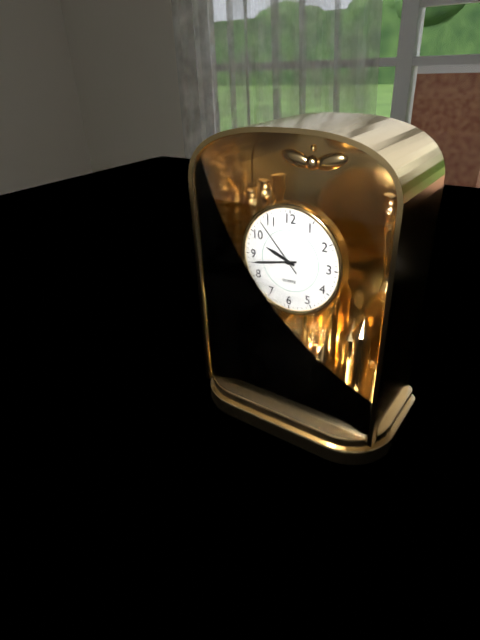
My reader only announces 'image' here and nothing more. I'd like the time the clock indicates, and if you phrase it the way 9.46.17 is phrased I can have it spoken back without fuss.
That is 9.43.53
